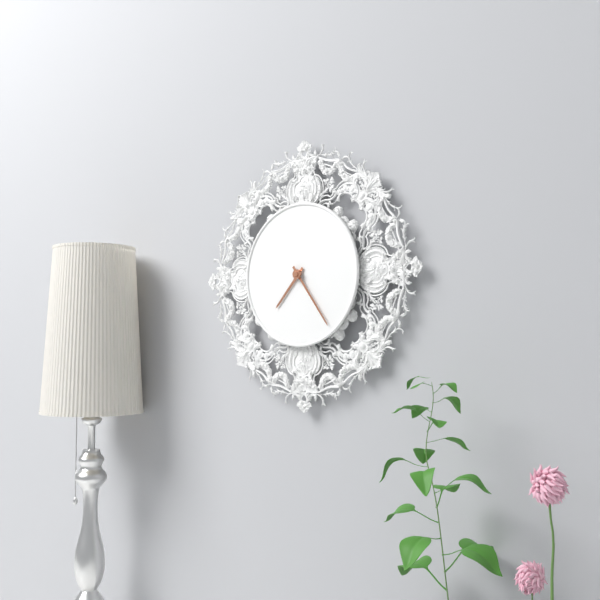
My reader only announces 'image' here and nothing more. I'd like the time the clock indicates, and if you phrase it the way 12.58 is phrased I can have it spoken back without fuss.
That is 7.24
